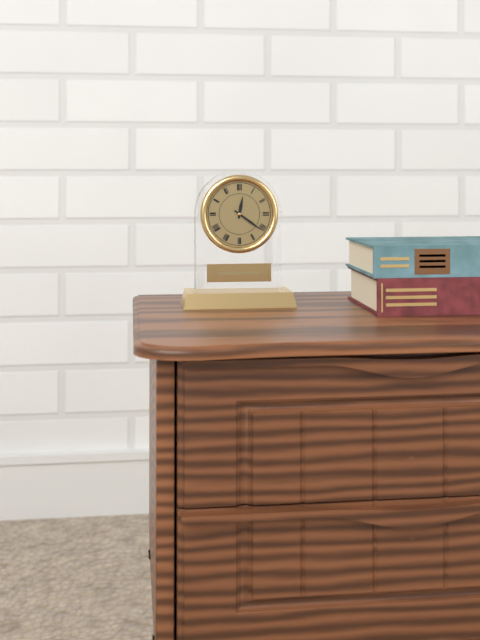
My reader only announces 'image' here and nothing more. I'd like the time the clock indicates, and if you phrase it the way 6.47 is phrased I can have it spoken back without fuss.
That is 12.21
